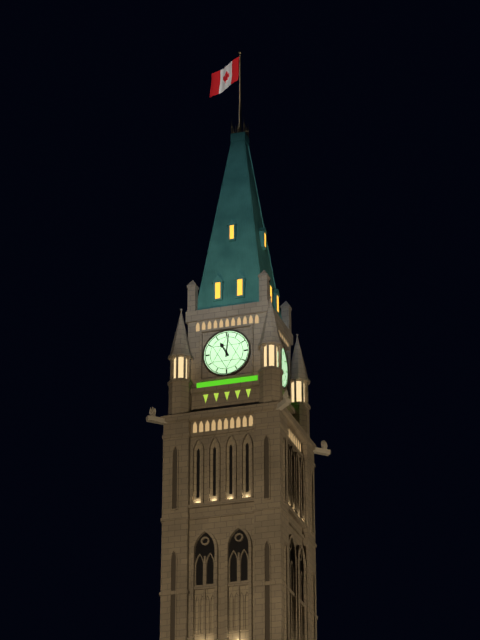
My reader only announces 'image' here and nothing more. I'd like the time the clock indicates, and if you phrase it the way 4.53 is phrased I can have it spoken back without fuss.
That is 11.01
